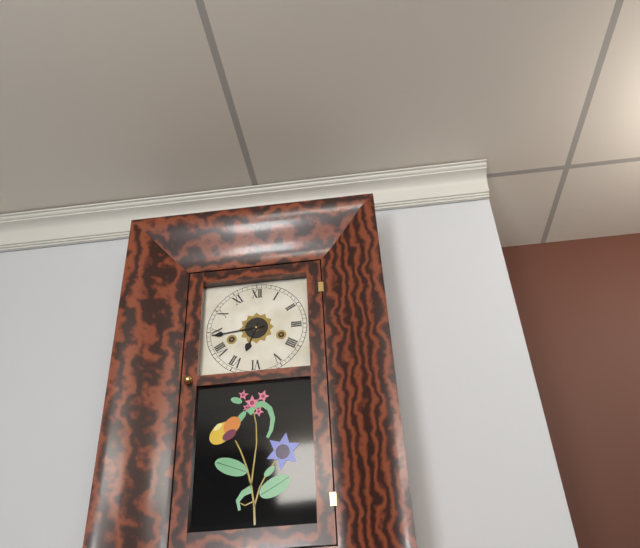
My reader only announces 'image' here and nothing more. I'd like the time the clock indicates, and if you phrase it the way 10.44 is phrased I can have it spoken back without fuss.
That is 6.44
